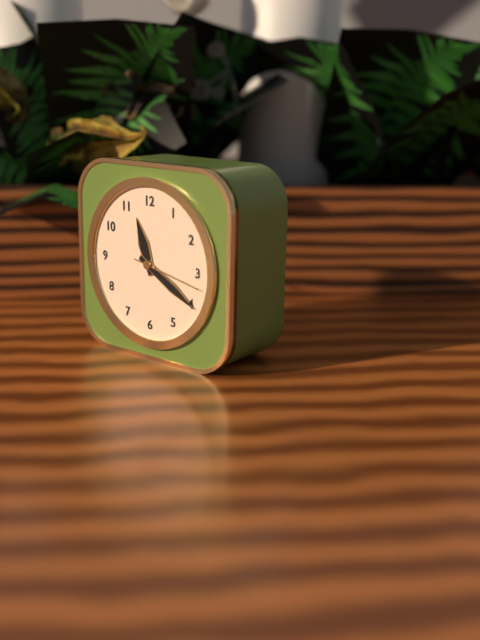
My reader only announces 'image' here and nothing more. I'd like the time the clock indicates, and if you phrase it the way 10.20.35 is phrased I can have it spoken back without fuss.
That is 11.20.17
